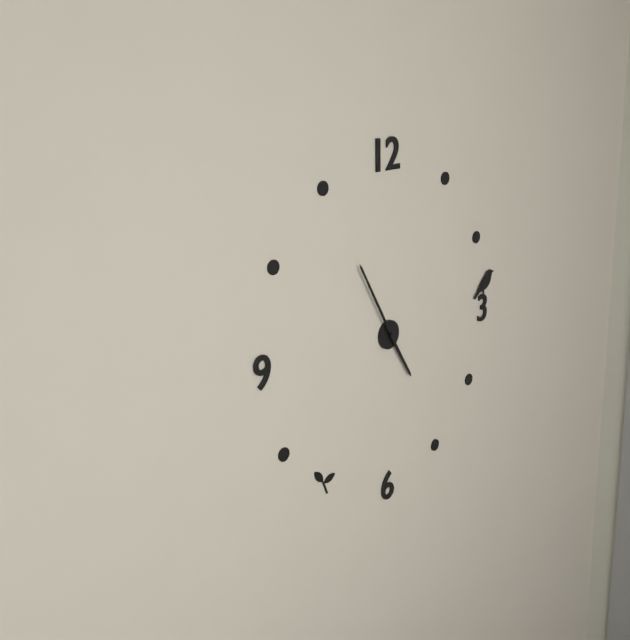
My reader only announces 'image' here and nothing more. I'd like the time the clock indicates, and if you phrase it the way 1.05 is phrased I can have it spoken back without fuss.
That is 4.55
